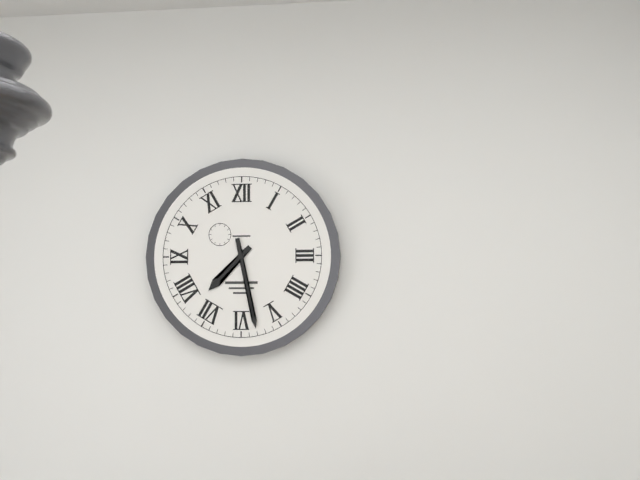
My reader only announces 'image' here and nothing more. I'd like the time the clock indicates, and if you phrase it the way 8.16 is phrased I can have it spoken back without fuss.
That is 7.28
